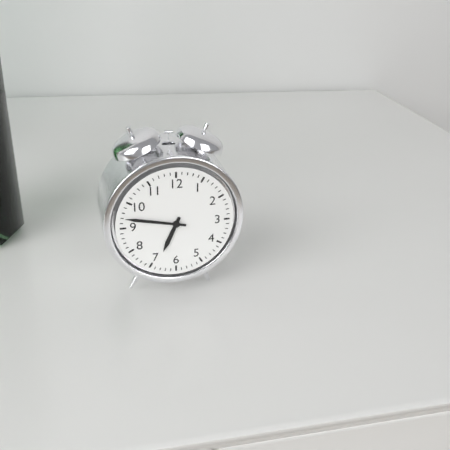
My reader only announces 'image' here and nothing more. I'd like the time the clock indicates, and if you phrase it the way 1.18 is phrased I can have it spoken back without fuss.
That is 6.47
